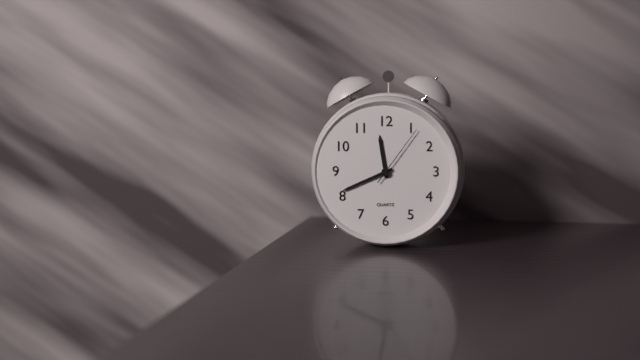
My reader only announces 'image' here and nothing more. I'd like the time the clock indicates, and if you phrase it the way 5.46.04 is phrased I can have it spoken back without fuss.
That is 11.41.06
